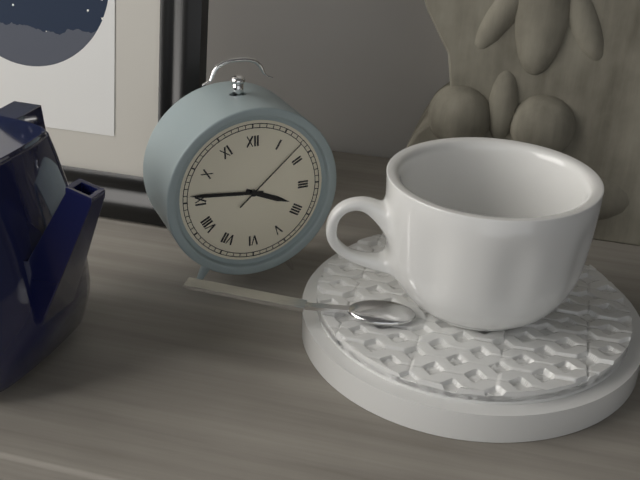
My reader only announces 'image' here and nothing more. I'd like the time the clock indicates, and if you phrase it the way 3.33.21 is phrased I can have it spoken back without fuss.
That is 3.46.08
